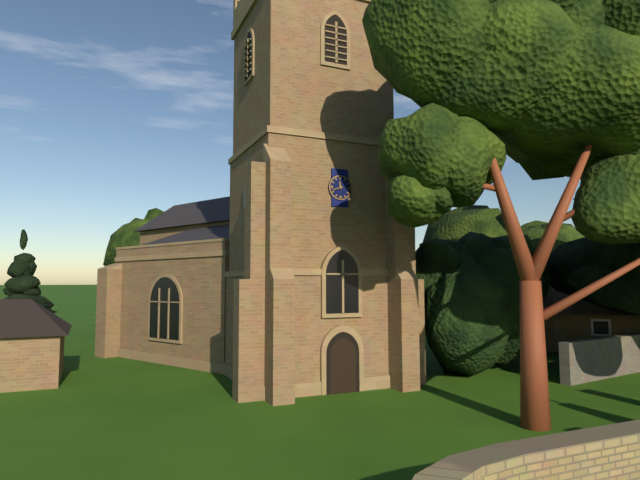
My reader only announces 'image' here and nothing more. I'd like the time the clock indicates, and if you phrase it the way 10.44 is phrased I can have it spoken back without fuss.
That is 11.42
